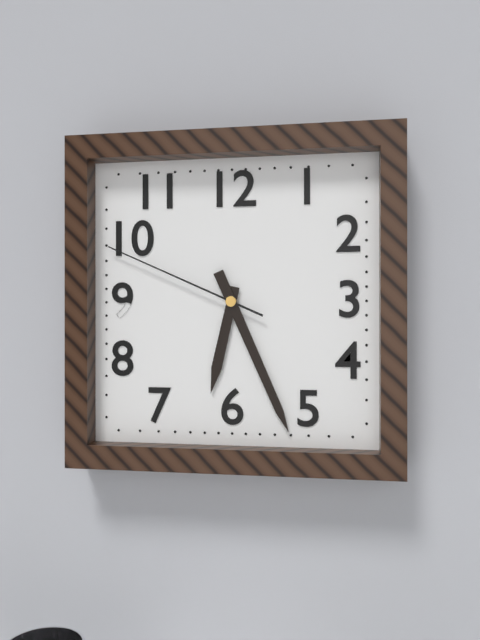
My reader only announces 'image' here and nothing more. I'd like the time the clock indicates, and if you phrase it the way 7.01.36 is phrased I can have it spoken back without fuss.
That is 6.26.49
